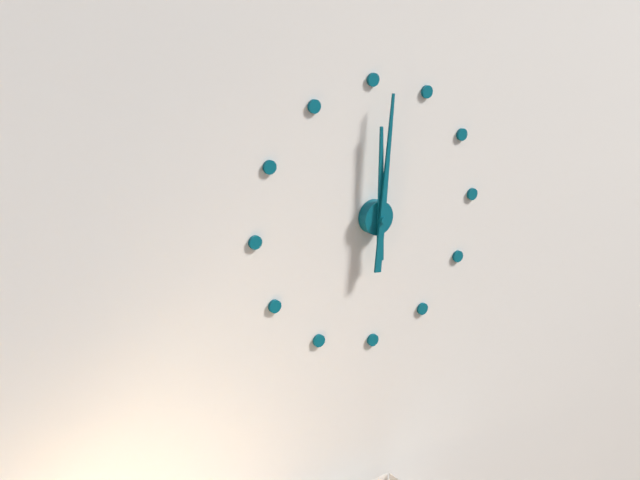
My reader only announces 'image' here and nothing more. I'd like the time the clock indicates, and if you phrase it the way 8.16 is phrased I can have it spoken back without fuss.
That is 12.01
